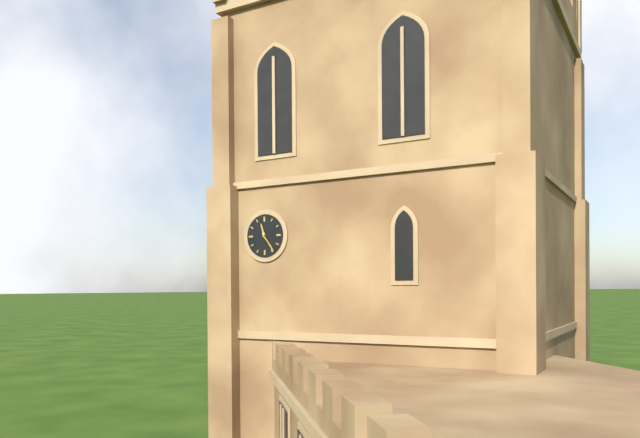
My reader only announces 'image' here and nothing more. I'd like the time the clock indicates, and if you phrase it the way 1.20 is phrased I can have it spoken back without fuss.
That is 11.24
